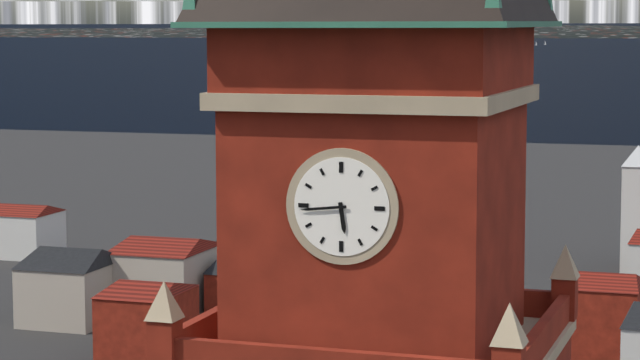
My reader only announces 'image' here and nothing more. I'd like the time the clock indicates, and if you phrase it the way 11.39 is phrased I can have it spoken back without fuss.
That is 5.44
